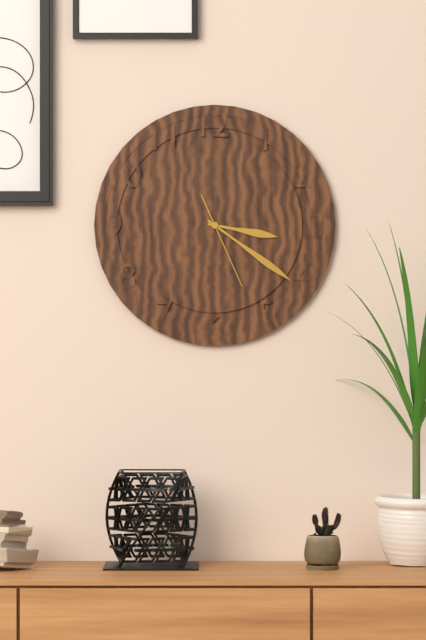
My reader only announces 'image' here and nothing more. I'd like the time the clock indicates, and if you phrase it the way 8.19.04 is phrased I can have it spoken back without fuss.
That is 3.21.26
